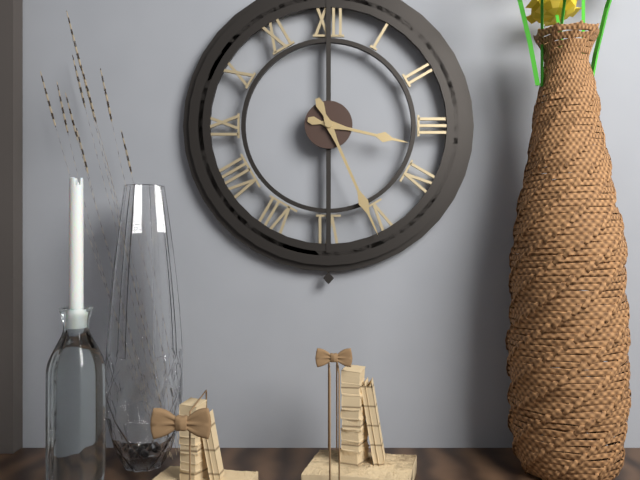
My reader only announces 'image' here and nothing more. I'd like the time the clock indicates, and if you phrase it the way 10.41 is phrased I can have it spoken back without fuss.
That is 3.26
